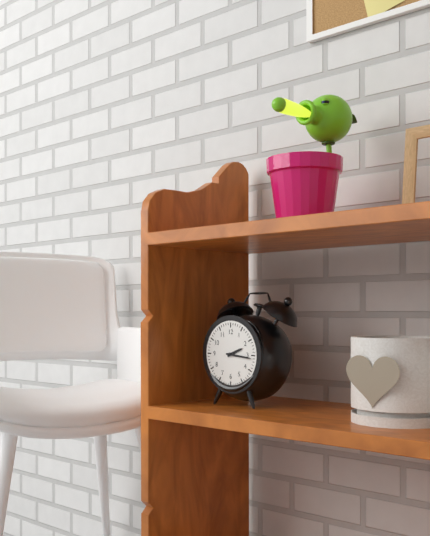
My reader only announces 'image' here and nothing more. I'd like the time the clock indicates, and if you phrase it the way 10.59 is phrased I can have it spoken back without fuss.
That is 2.16
